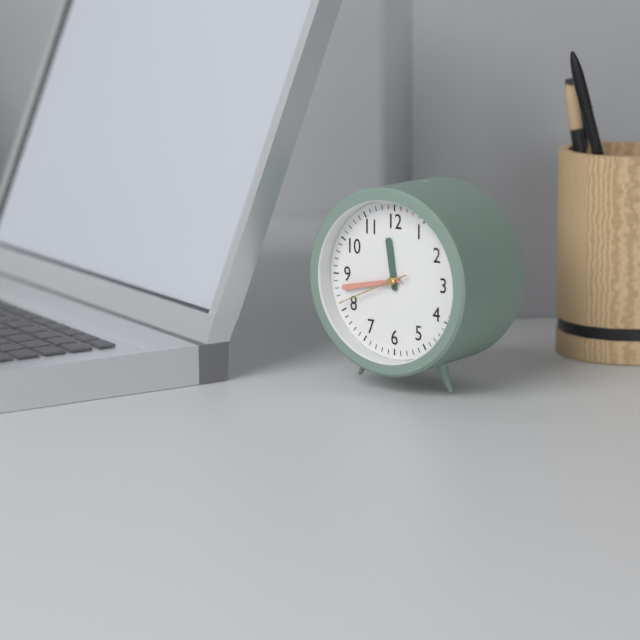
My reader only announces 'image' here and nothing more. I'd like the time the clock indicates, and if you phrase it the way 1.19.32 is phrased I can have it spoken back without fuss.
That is 11.43.41
